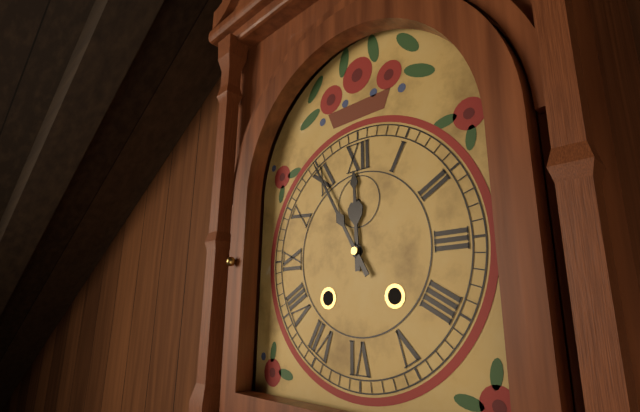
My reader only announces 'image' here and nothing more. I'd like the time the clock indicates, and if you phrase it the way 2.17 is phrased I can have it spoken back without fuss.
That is 11.55
